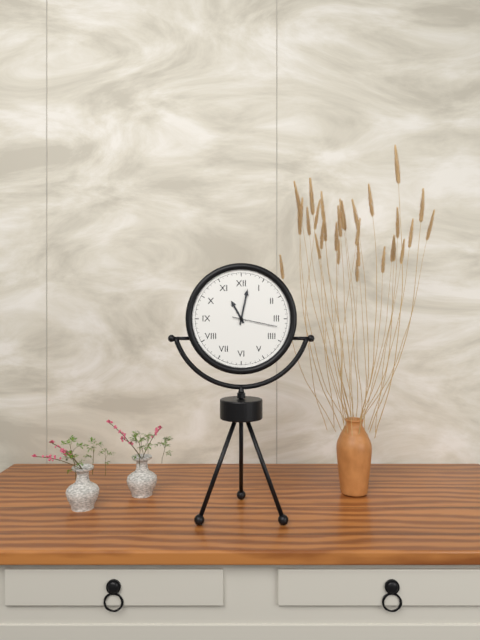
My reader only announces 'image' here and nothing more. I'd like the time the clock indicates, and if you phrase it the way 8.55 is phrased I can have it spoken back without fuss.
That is 11.02
